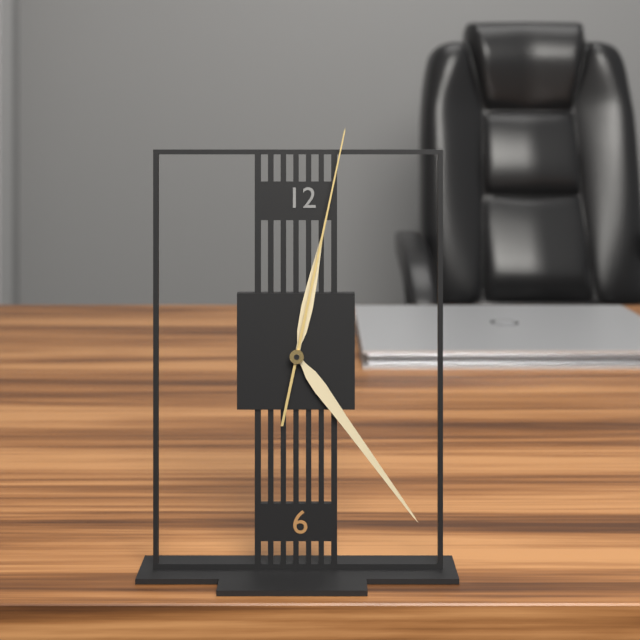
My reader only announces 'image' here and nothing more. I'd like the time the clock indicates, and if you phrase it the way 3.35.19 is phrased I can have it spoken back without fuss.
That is 12.24.02
